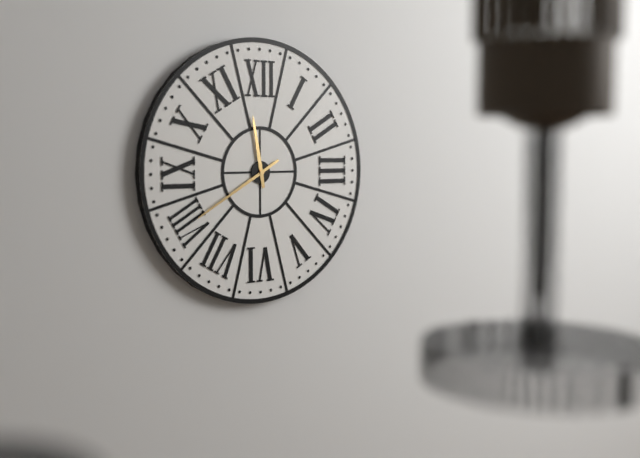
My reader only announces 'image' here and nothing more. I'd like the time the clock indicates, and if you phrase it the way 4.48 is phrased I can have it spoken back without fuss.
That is 11.40
